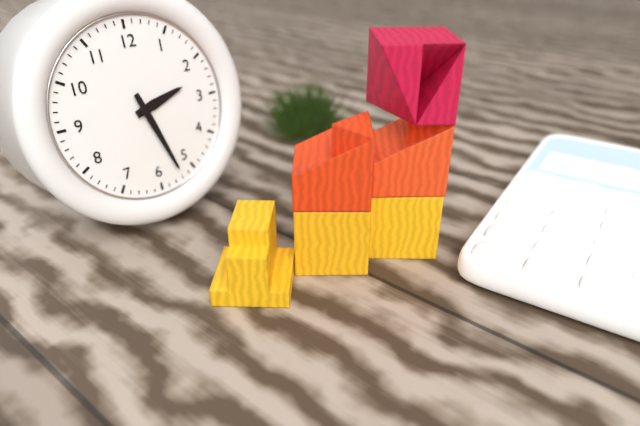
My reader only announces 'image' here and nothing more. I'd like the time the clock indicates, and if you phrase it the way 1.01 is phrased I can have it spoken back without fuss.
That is 2.27
